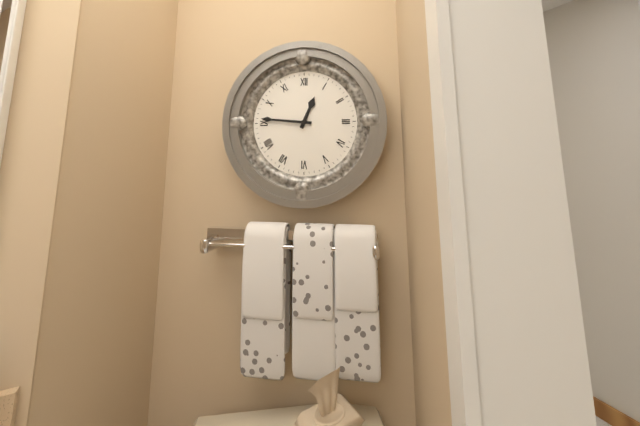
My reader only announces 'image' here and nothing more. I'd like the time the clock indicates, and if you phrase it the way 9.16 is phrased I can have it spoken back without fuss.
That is 12.46
